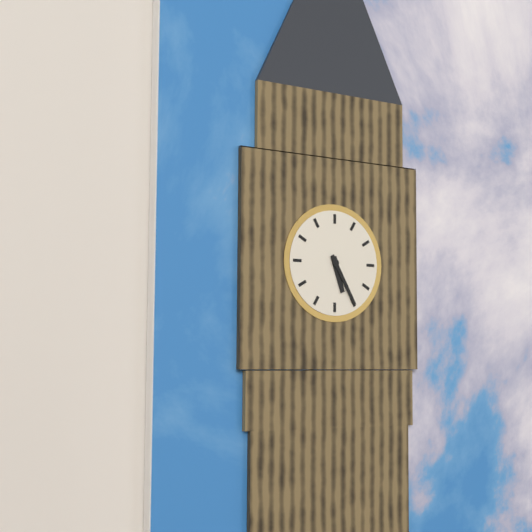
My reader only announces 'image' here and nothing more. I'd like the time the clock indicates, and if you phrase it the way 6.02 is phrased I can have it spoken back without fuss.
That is 5.25
